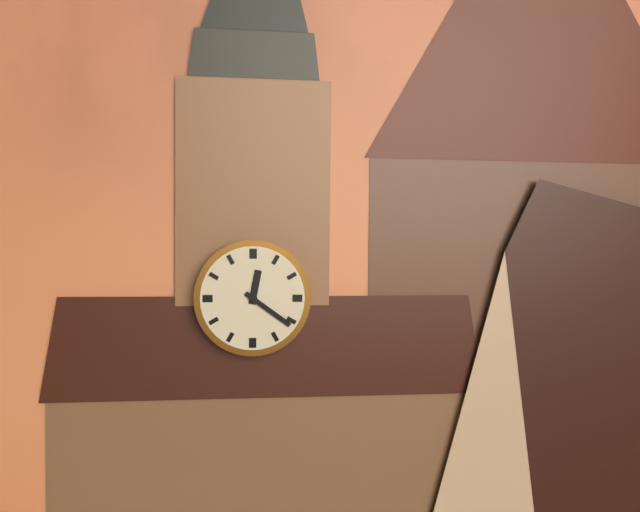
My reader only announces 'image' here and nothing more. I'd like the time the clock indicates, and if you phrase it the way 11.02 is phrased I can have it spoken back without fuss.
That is 12.21
